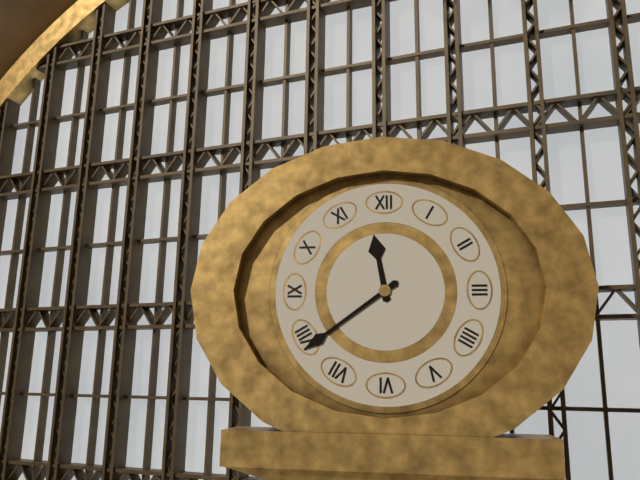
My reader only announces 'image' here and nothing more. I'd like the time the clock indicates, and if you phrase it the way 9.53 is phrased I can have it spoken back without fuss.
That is 11.39
